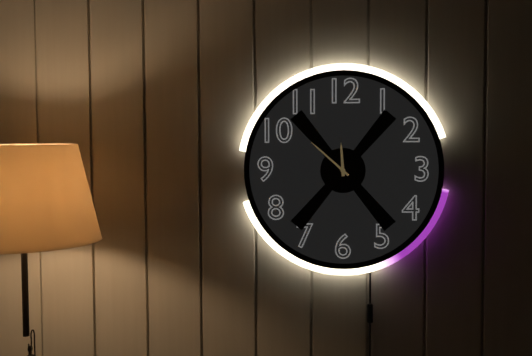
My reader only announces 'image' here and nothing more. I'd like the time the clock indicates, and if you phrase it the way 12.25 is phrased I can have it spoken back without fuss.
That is 11.52
